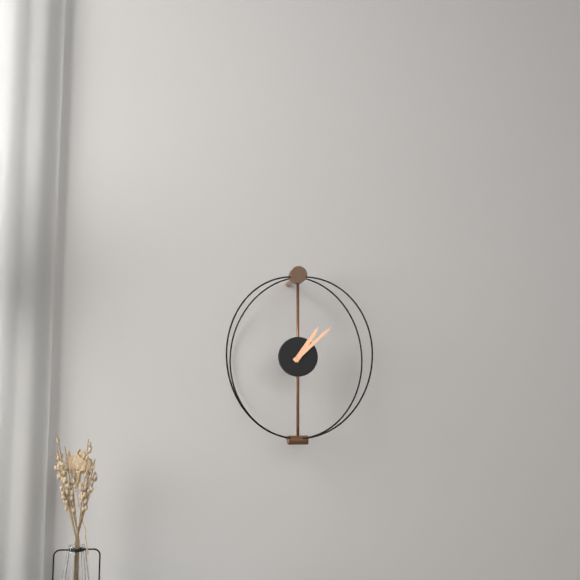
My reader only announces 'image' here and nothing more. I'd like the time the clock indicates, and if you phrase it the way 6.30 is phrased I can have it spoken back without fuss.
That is 1.08
